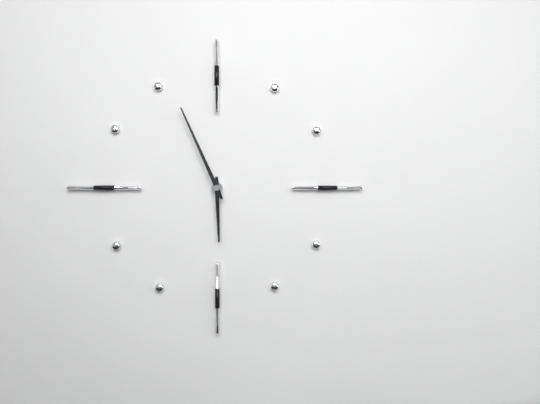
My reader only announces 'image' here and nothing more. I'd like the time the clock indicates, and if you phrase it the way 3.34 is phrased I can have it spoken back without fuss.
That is 5.56
